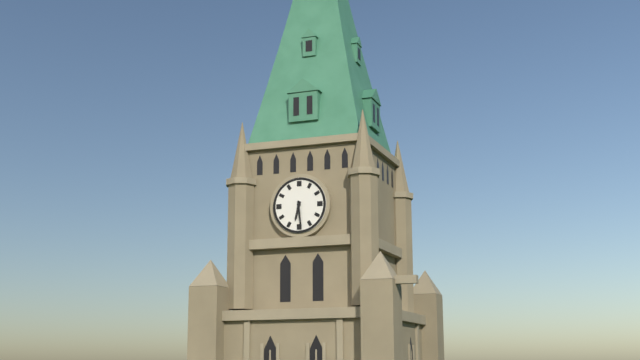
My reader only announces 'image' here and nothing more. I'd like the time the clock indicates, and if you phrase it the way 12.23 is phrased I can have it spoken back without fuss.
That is 6.29
